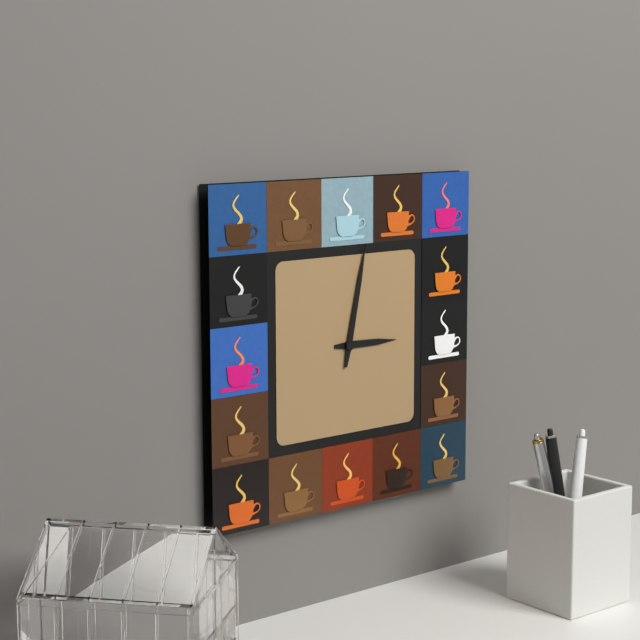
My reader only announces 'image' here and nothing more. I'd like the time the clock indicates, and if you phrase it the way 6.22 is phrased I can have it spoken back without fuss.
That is 3.02
